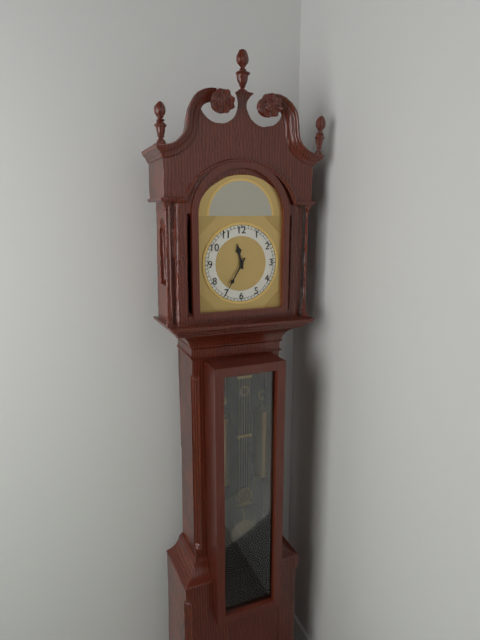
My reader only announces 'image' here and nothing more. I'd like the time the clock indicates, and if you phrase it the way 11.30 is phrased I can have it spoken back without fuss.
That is 11.35
